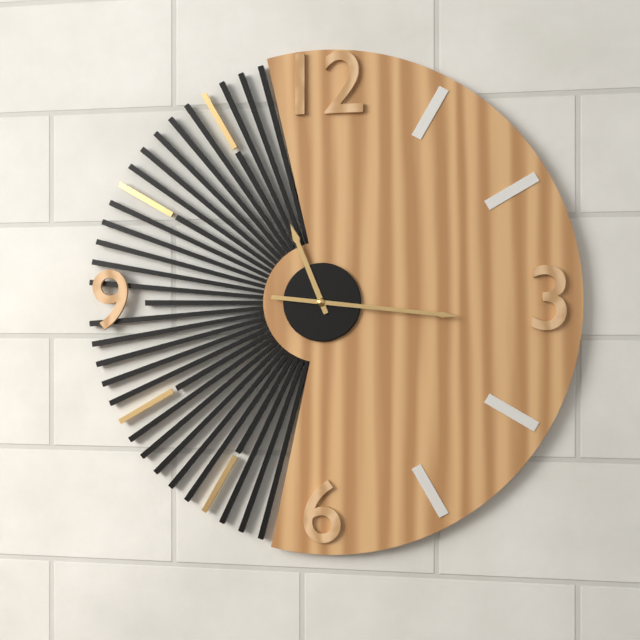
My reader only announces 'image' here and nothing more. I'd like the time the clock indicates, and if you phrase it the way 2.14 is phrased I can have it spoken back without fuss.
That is 11.16
